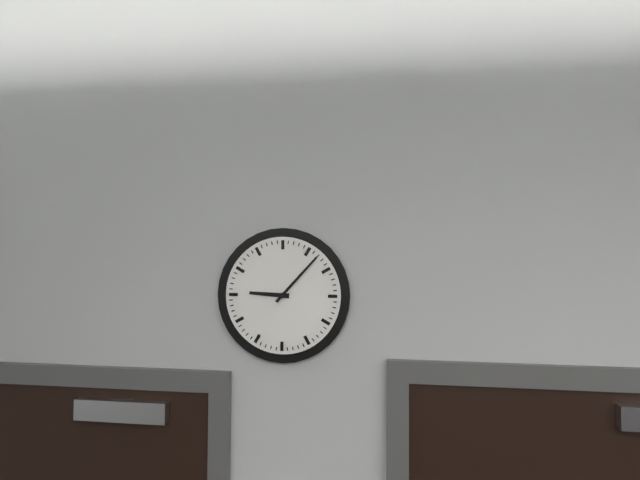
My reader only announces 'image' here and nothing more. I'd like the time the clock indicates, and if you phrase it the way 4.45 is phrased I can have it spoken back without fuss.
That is 9.07
